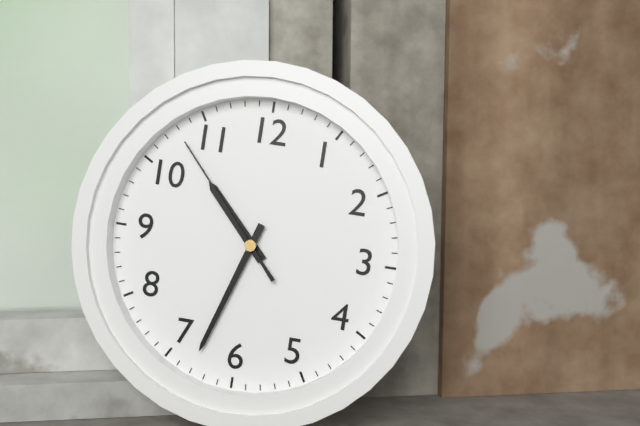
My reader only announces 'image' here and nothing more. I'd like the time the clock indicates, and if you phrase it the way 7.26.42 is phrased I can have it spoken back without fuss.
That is 10.33.53
